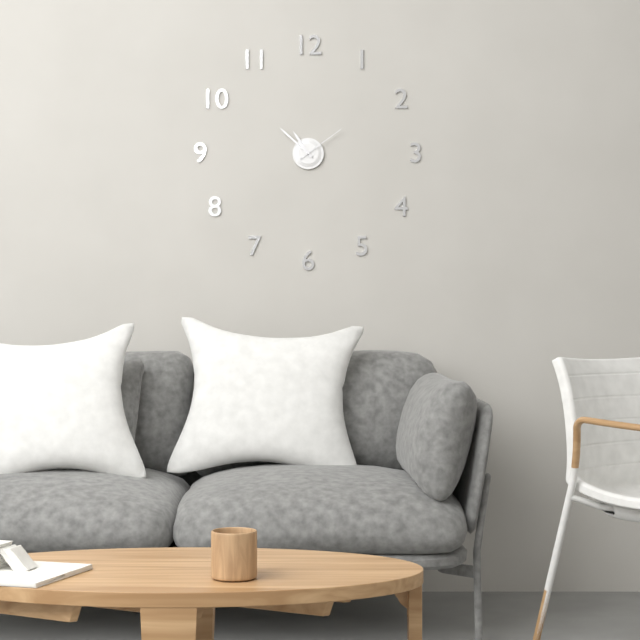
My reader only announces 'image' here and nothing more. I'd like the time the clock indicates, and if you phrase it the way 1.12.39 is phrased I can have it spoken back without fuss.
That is 10.52.09
